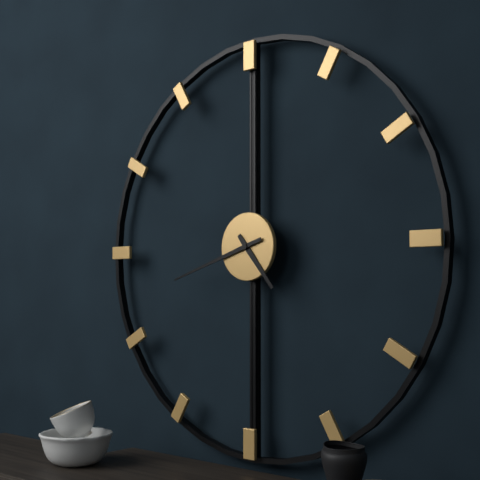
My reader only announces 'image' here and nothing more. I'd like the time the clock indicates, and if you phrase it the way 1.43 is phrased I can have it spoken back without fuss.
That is 4.42
